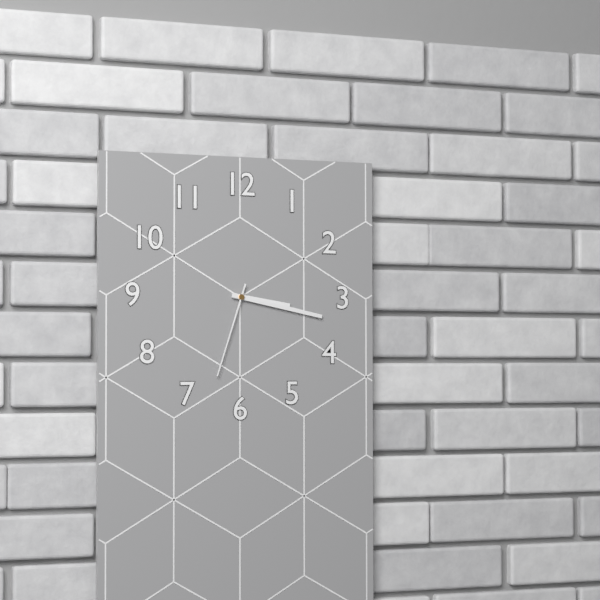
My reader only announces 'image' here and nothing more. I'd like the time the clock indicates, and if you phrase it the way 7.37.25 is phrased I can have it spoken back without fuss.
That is 3.17.33
